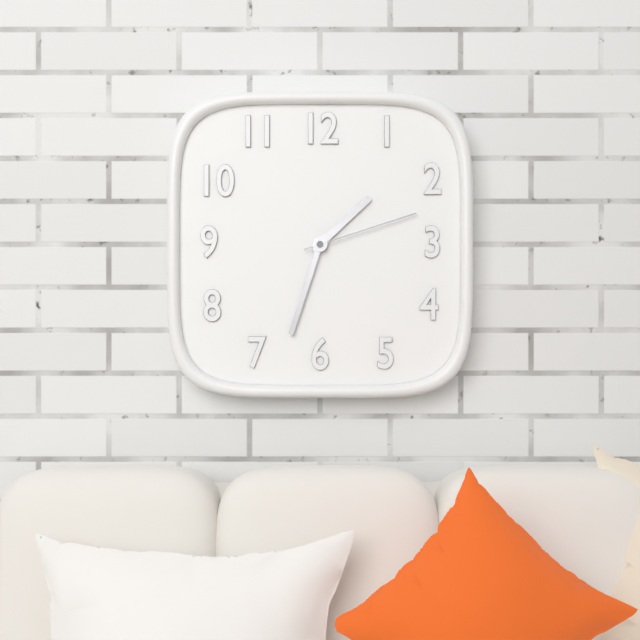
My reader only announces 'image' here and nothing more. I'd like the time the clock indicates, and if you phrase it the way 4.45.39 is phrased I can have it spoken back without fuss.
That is 1.33.12
